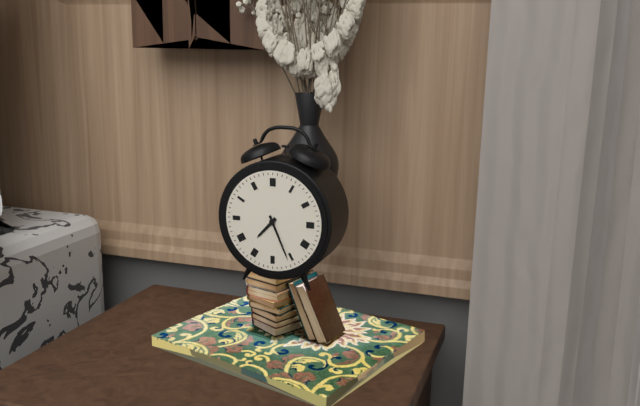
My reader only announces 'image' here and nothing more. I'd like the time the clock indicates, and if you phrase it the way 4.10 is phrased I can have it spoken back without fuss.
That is 7.26
